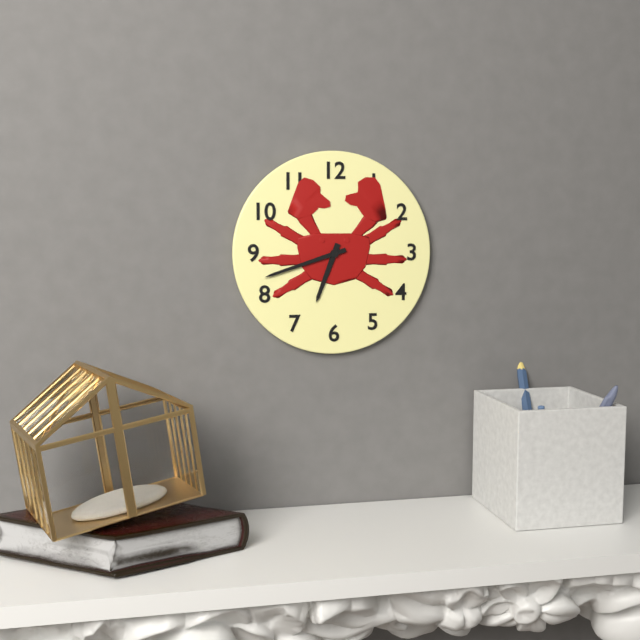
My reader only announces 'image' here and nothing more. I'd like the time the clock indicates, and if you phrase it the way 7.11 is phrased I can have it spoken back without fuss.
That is 6.42
